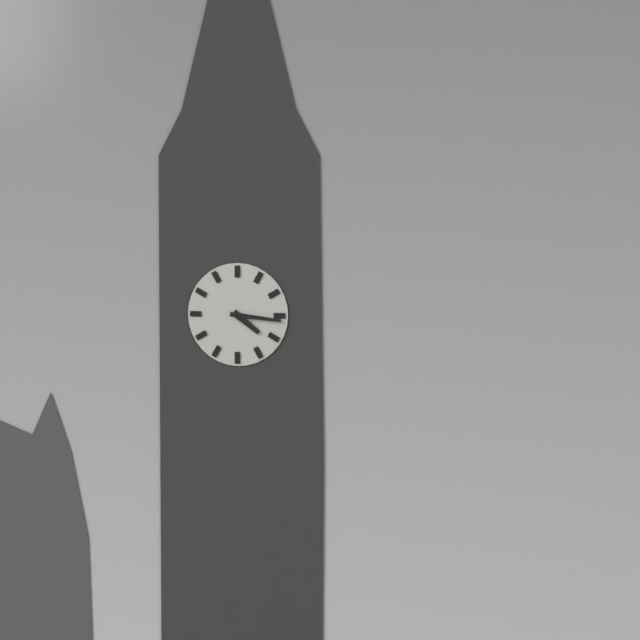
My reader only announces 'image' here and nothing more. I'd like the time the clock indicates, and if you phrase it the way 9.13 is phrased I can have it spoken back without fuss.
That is 4.16
